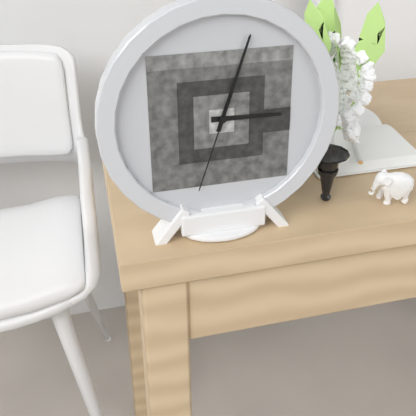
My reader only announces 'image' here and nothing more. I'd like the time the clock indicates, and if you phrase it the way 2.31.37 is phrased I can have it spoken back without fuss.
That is 3.03.33
